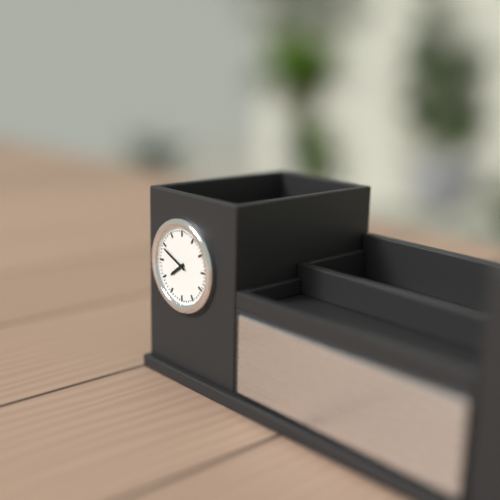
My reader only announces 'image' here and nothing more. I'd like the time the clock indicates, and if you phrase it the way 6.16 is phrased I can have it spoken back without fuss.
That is 7.49
